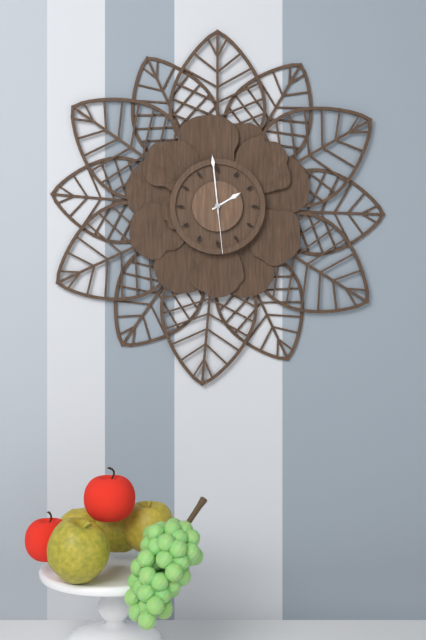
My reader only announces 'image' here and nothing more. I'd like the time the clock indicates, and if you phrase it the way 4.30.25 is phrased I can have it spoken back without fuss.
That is 1.59.29
